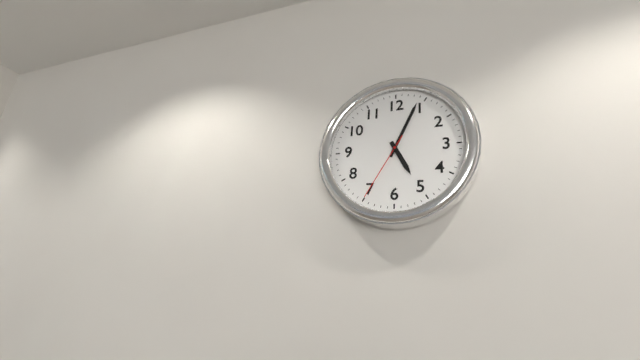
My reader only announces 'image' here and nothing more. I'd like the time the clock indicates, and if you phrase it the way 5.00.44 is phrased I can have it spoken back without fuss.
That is 5.04.35
